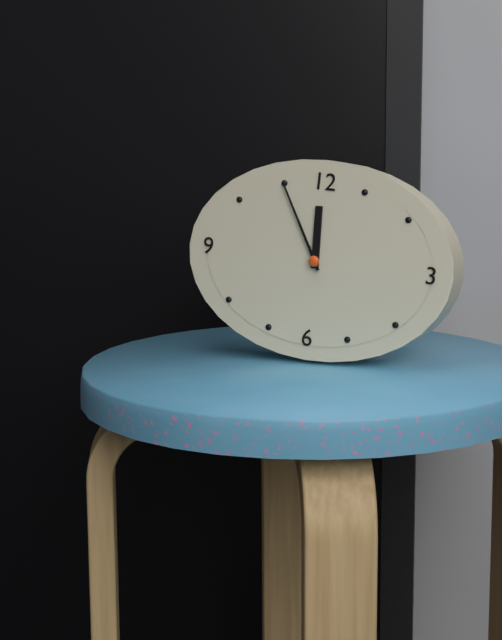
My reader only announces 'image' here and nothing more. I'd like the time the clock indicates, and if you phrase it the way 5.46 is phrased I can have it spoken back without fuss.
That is 11.55
